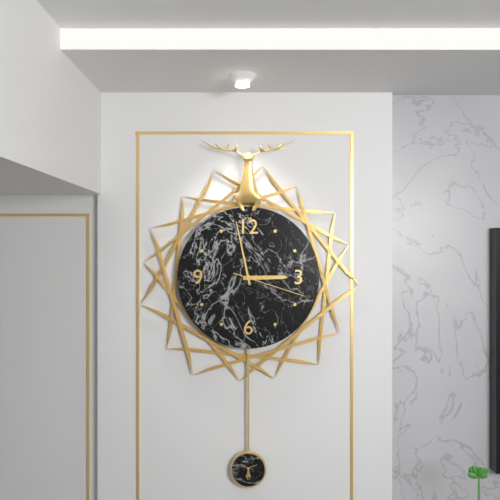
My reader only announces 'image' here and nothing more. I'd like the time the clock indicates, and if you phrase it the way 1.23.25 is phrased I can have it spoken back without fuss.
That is 2.58.18
